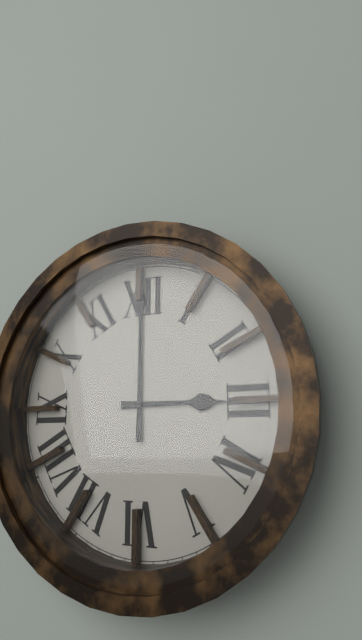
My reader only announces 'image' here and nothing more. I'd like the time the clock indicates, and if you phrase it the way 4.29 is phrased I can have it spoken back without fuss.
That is 3.00
